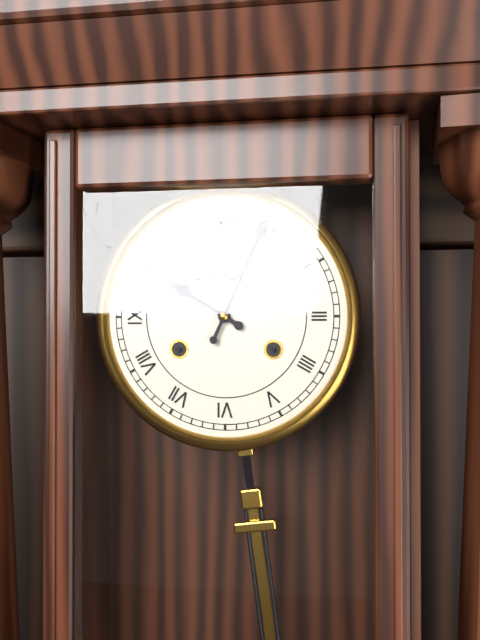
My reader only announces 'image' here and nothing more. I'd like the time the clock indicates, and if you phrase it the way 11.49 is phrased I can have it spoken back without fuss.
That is 10.04
